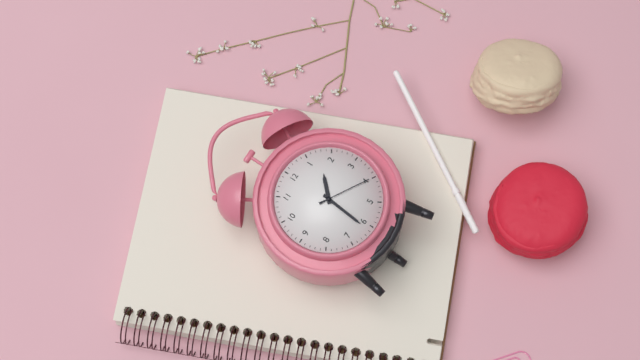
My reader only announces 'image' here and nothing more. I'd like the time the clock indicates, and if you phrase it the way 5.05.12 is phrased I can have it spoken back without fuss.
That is 1.31.20
